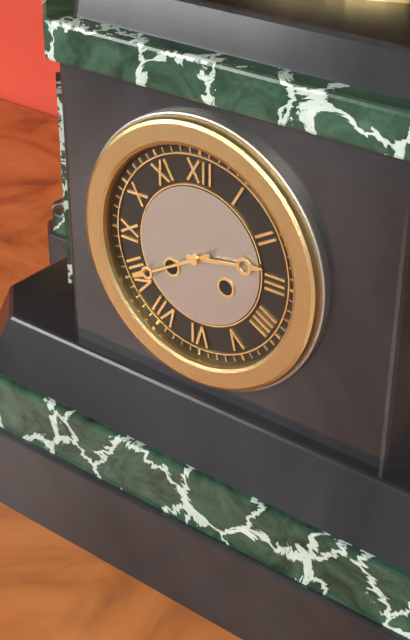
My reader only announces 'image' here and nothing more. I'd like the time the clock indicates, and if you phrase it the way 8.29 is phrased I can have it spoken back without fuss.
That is 2.40
